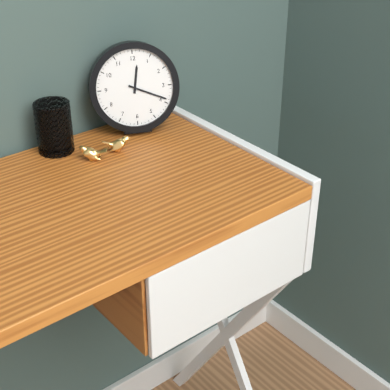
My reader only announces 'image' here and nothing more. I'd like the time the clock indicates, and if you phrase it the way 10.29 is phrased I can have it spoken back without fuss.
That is 12.19
